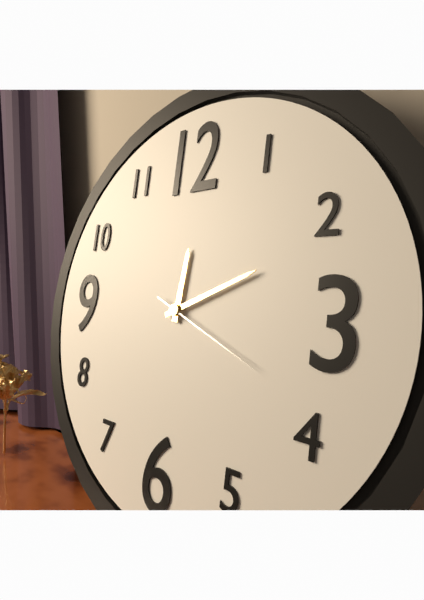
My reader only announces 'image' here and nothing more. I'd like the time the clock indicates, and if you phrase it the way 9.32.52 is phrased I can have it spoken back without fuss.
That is 12.11.19
